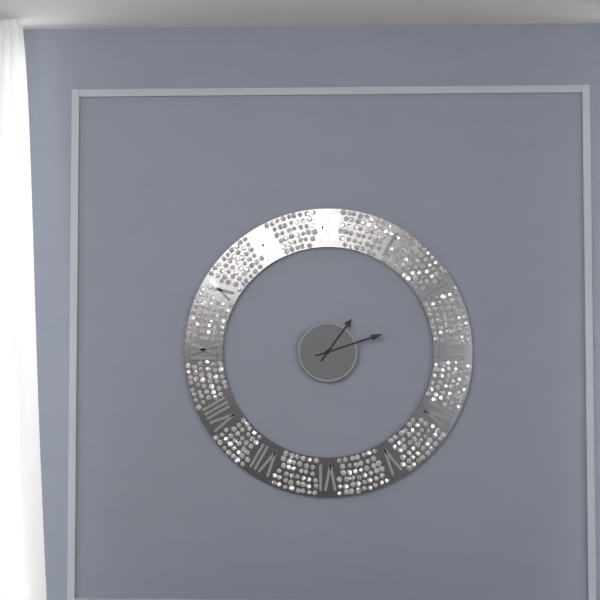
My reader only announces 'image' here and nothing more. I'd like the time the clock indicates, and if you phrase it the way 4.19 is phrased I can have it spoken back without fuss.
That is 1.12
